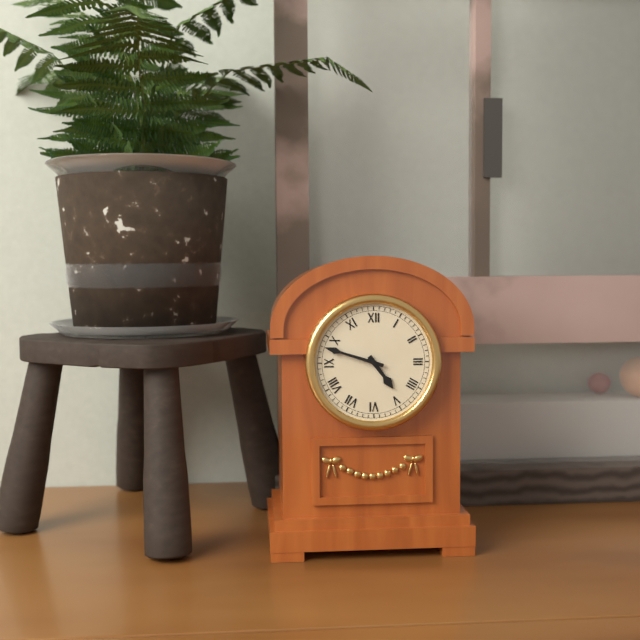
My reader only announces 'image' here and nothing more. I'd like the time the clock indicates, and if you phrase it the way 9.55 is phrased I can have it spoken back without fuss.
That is 4.48
